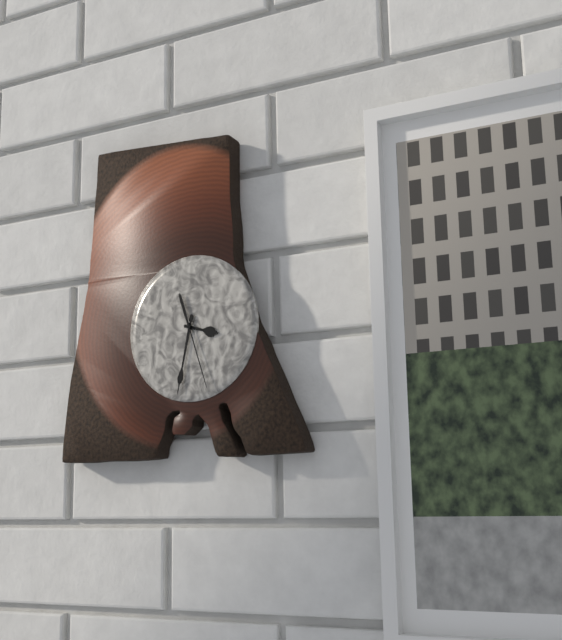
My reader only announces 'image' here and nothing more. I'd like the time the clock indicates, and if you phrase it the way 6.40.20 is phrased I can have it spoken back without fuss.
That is 3.32.27
